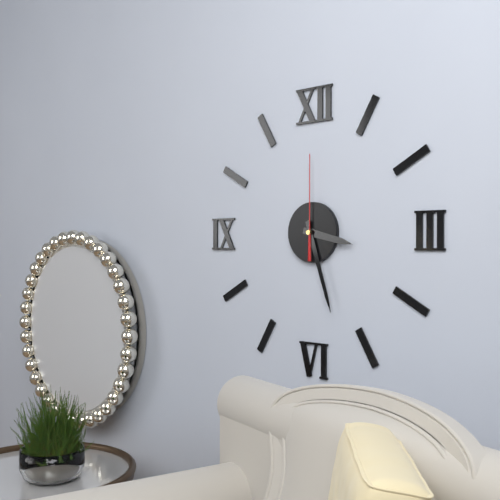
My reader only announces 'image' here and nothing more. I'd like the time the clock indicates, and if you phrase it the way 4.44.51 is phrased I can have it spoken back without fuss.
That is 3.27.00
